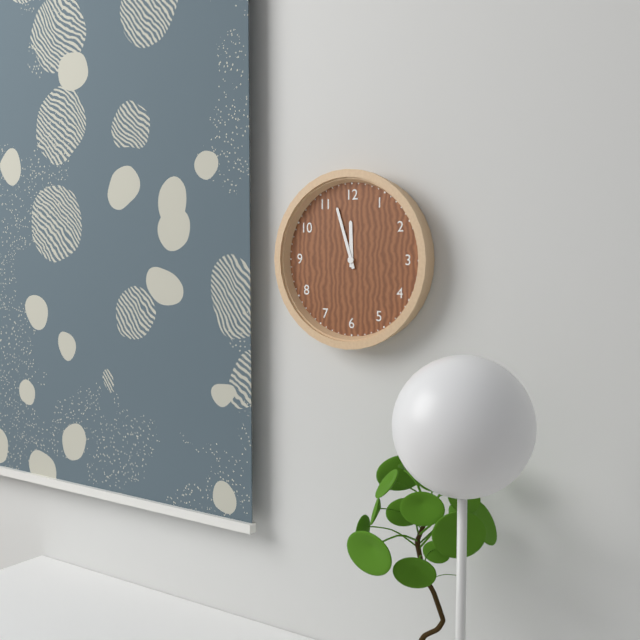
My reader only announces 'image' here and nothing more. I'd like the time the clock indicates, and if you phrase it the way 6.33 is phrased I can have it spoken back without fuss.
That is 11.57
